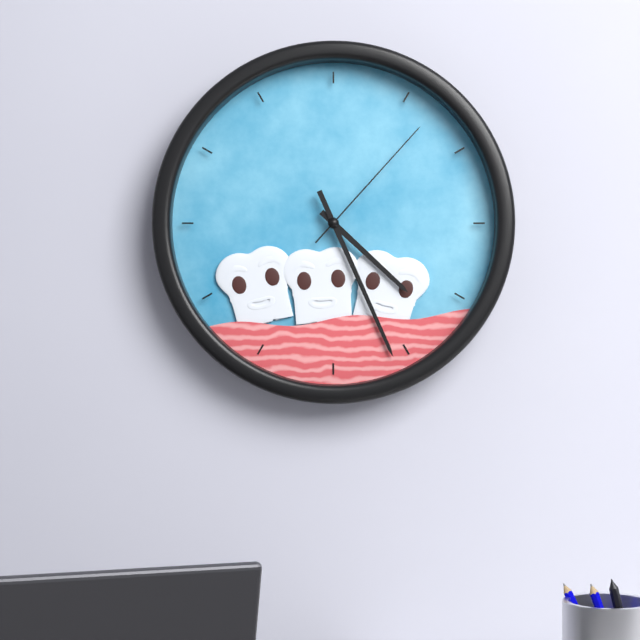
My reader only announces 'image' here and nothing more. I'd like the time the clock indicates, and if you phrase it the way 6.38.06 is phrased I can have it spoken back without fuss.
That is 4.26.07
